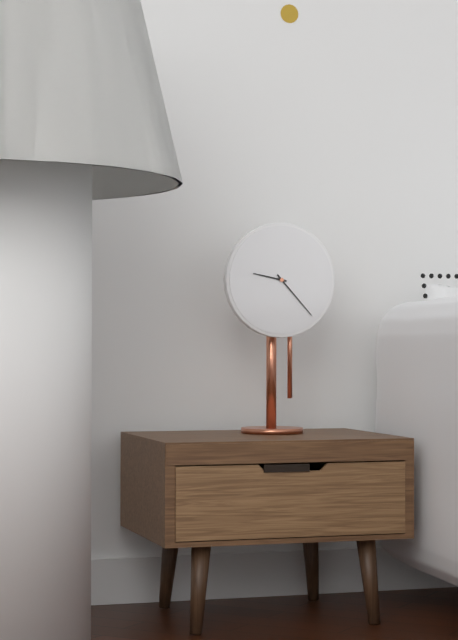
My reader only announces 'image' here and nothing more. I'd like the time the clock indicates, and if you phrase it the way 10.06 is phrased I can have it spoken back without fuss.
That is 9.23
